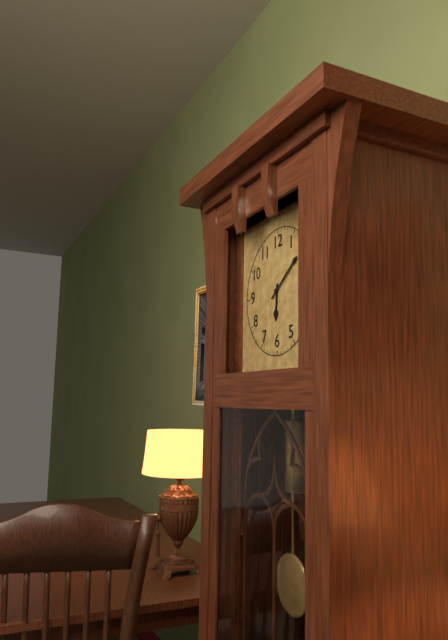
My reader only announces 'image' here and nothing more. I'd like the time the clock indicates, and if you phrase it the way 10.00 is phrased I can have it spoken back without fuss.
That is 6.09
